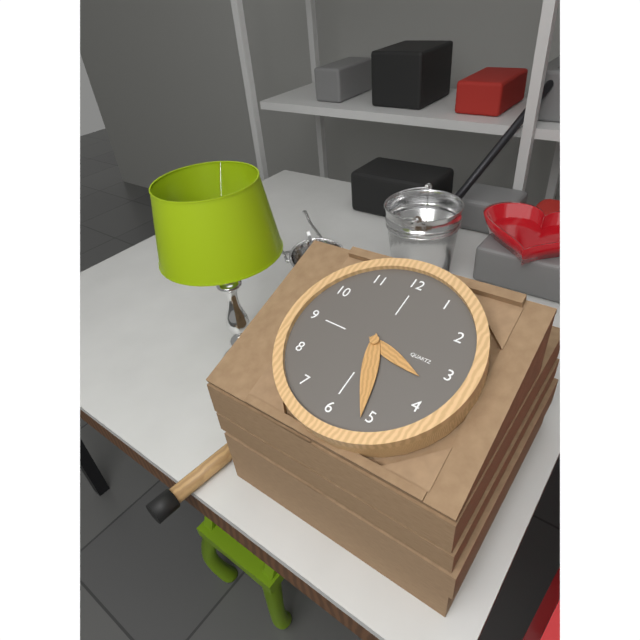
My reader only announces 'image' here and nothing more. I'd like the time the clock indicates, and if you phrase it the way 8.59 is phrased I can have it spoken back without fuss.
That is 3.26
